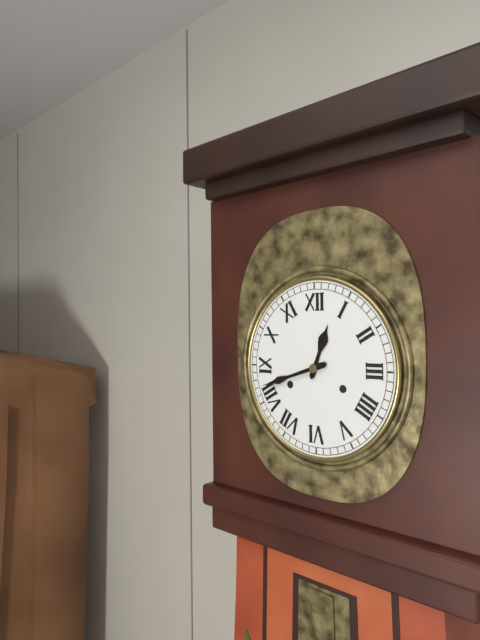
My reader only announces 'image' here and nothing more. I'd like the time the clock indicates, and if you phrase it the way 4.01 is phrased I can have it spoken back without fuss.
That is 12.42
